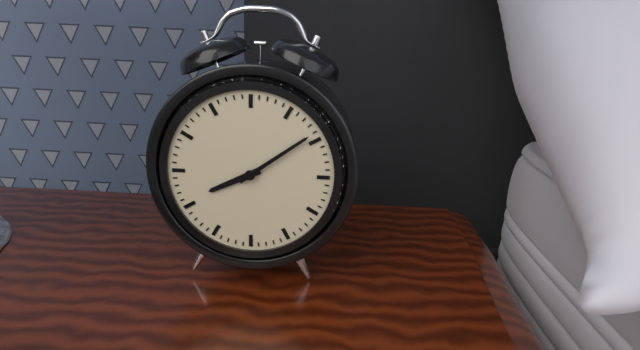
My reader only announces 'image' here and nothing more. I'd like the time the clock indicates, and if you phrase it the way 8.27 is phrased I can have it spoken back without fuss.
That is 8.09
